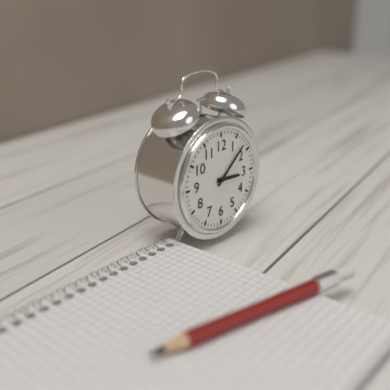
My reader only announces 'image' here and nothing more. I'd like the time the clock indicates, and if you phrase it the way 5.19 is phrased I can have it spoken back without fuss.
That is 3.08
